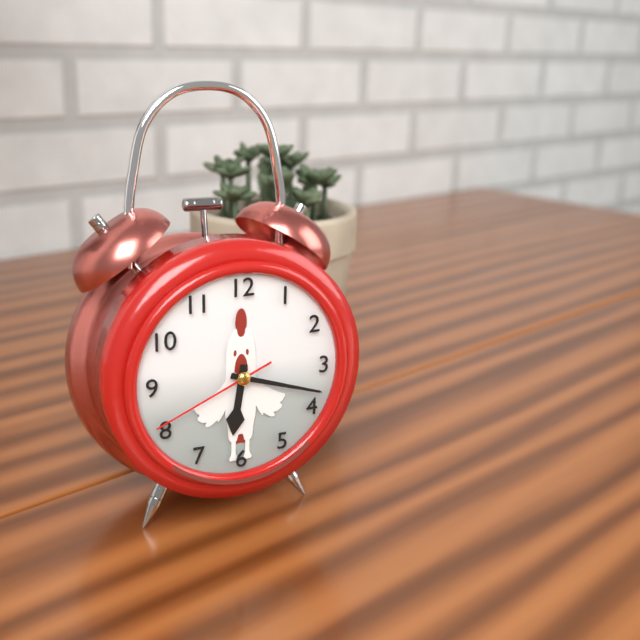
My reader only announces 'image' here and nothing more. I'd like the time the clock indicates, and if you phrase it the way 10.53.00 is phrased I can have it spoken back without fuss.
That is 6.18.41
